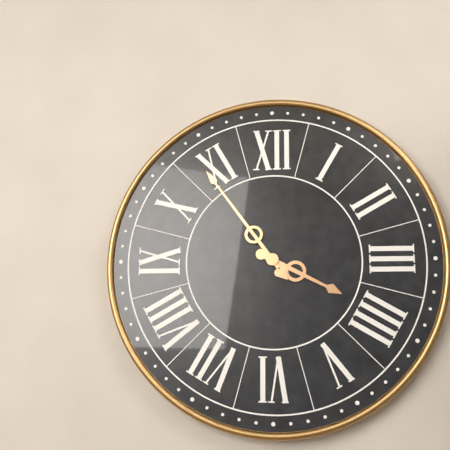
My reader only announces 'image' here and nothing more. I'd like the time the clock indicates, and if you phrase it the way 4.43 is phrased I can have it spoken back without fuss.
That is 3.54
